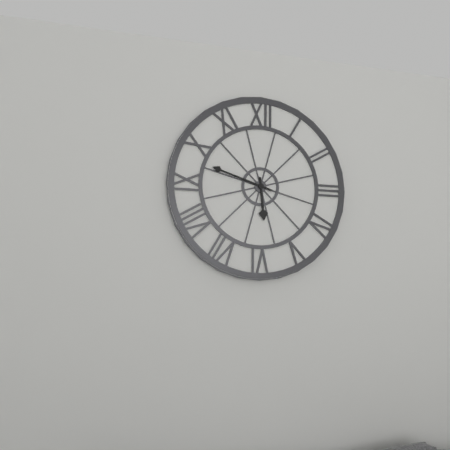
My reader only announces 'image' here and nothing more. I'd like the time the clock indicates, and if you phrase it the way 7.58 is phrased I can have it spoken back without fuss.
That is 5.48
